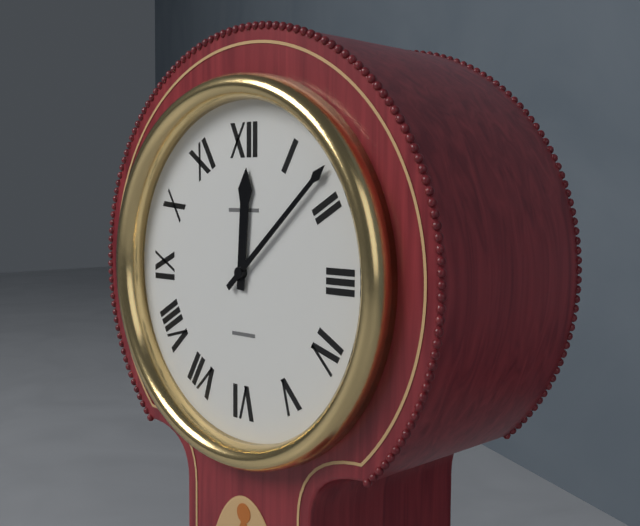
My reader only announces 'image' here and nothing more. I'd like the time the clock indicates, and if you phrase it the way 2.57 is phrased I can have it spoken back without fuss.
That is 12.08
